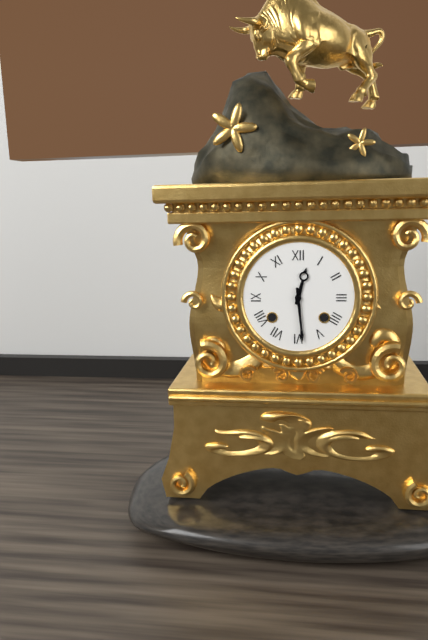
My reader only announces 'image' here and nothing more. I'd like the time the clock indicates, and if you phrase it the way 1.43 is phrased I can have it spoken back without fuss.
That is 12.29
